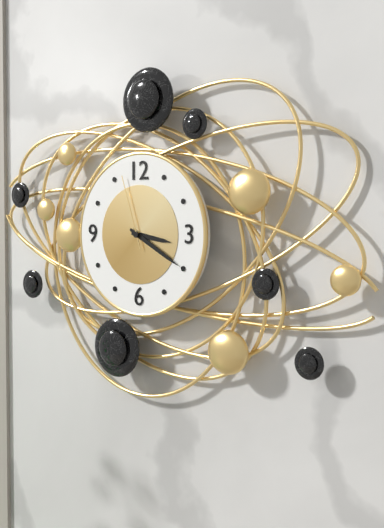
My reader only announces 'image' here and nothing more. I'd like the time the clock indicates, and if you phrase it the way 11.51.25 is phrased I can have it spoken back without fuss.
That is 3.20.57
